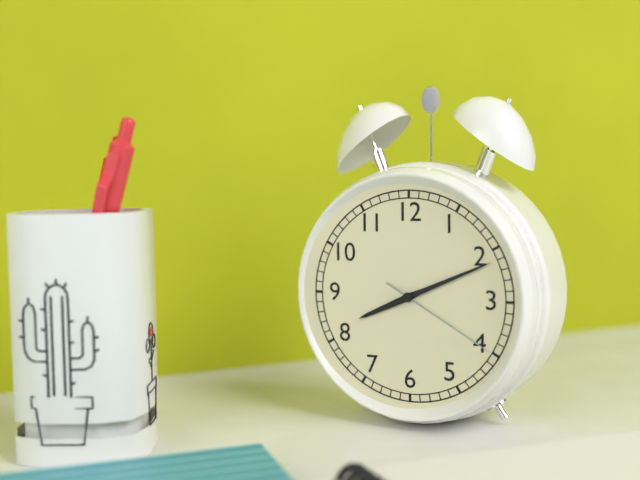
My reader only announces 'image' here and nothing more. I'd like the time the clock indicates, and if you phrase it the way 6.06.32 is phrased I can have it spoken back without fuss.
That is 8.11.20
